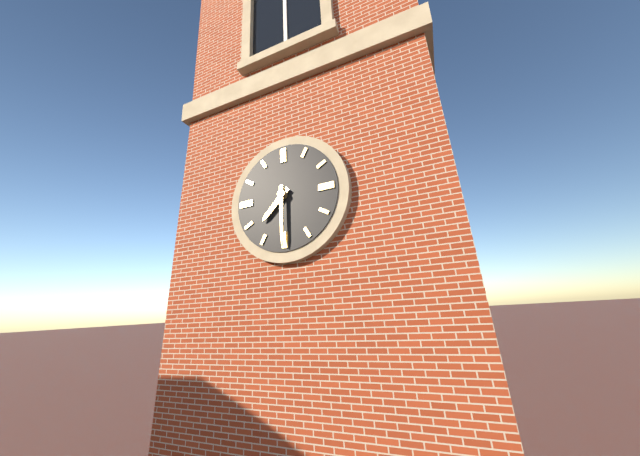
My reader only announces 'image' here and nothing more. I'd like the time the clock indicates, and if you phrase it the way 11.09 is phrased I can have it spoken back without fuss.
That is 7.30
